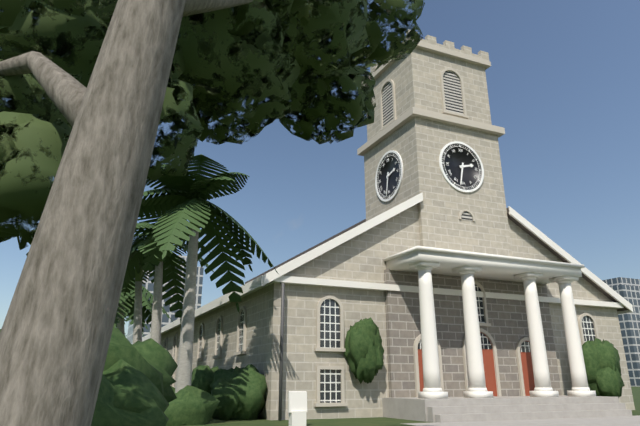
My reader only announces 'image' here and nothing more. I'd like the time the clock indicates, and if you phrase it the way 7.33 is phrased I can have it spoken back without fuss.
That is 2.32
